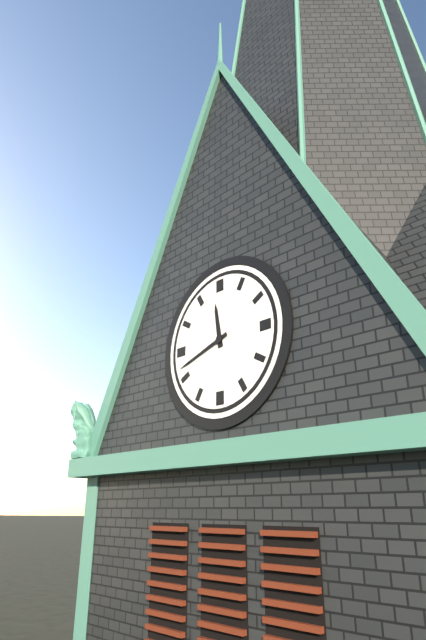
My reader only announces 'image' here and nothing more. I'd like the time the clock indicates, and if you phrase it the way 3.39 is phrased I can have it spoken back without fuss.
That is 11.42
